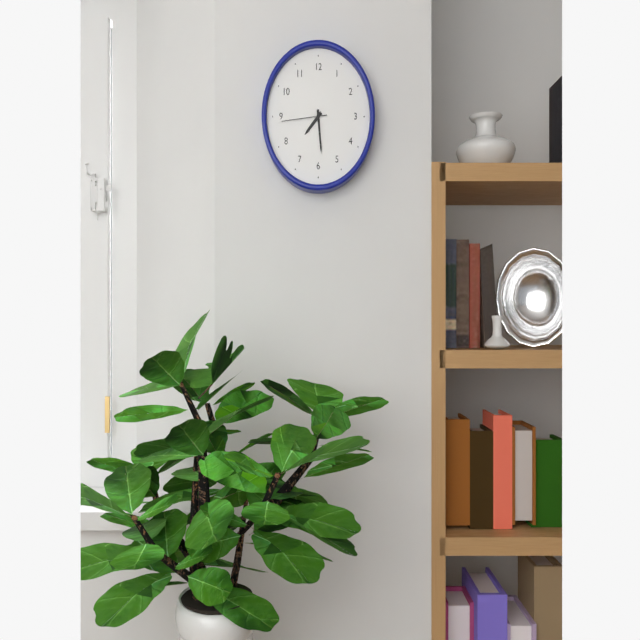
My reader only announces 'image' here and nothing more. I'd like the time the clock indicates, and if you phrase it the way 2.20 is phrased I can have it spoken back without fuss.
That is 7.29
